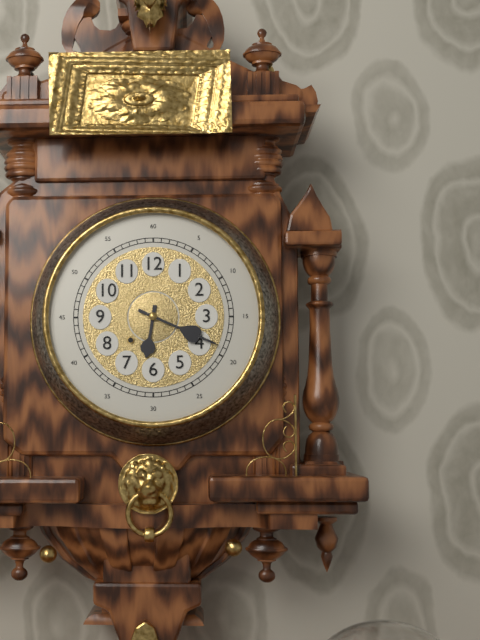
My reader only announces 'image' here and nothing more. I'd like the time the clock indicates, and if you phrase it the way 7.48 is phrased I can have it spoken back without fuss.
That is 6.19
